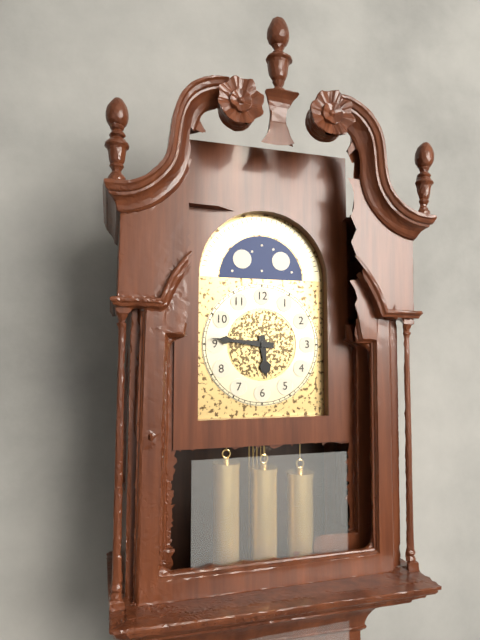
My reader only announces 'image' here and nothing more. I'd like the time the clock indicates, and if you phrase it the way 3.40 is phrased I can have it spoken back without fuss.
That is 5.46
